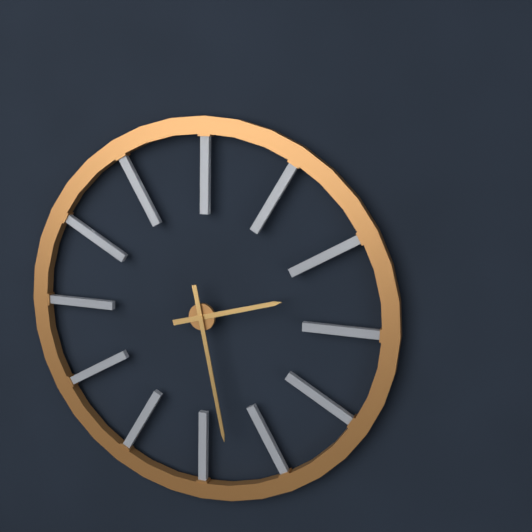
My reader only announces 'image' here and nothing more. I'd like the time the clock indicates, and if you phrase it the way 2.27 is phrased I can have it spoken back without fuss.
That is 2.28
